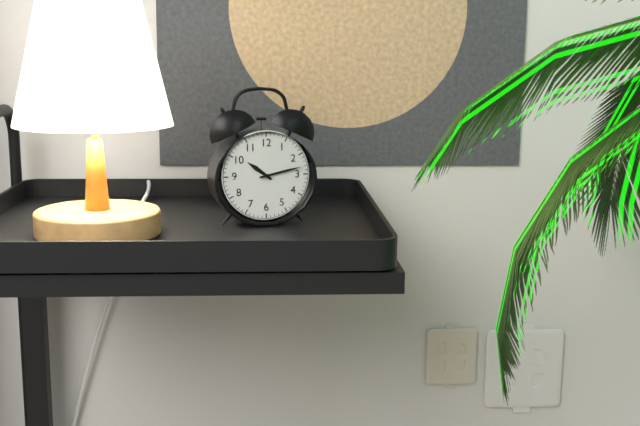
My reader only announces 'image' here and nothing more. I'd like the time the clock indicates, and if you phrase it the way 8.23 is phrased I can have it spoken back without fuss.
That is 10.13
